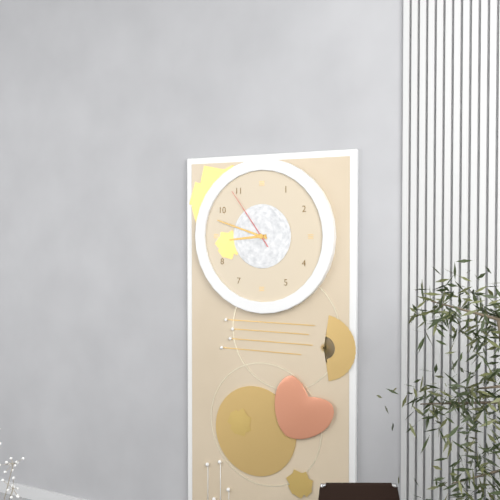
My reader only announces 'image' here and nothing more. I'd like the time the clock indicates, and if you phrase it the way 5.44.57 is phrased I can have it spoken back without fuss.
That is 8.48.54
